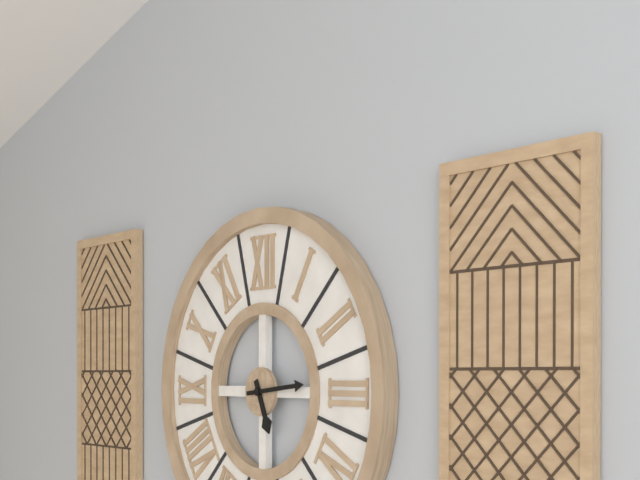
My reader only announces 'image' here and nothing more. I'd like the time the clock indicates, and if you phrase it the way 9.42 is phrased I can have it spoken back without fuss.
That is 5.14
